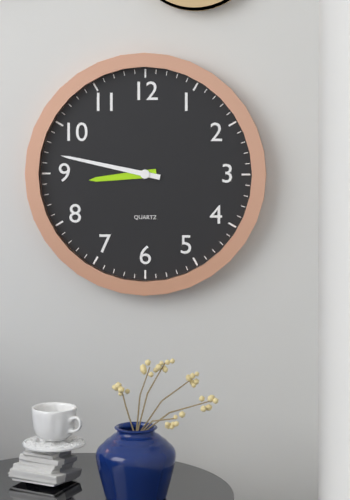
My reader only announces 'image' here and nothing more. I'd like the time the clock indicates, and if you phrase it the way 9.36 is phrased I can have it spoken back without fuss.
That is 8.47
